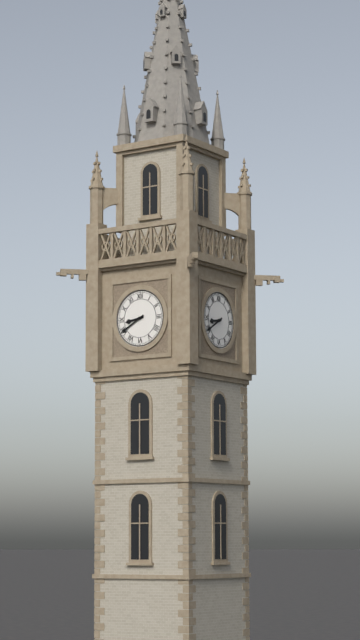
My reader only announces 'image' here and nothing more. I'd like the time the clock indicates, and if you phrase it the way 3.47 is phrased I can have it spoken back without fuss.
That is 8.40
